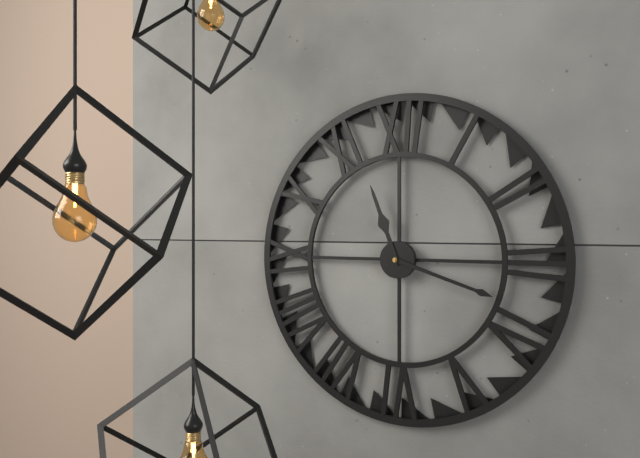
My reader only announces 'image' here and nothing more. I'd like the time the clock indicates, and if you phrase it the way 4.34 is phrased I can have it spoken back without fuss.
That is 11.18
